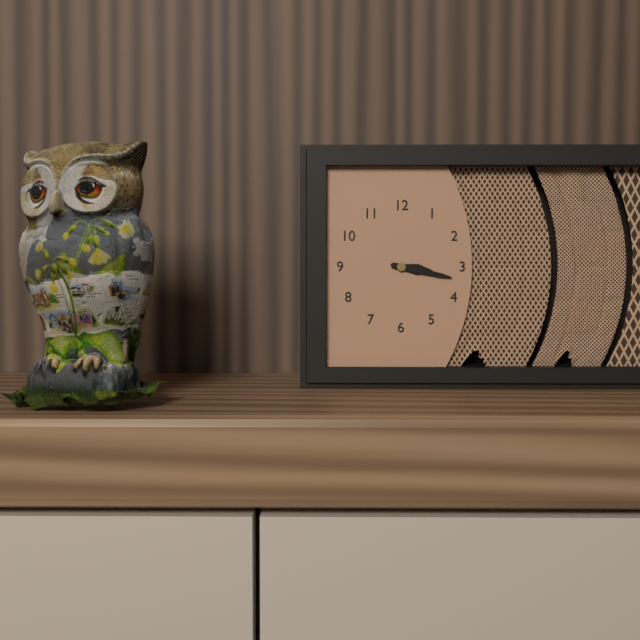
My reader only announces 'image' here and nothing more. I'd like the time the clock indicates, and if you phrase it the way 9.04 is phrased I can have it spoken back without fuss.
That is 3.17
